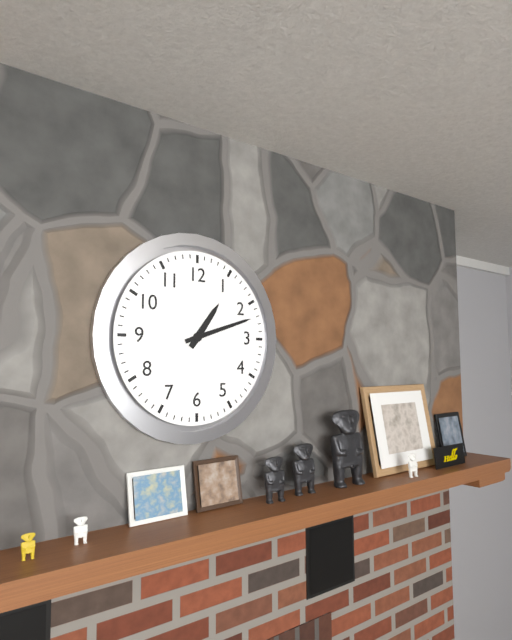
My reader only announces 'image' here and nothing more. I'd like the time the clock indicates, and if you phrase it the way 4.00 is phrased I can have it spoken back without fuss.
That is 1.12
